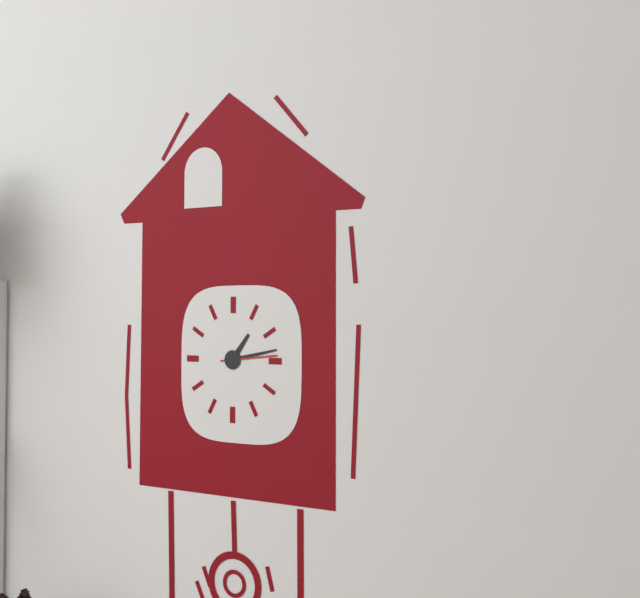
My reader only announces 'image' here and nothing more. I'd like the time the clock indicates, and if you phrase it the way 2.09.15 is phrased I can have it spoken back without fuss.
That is 1.13.14
